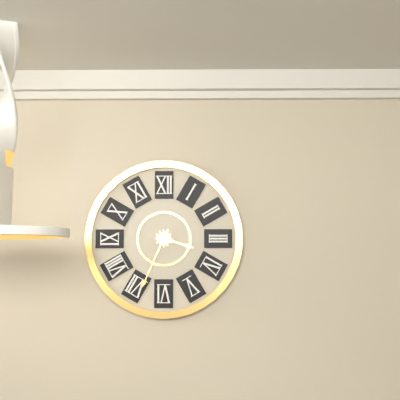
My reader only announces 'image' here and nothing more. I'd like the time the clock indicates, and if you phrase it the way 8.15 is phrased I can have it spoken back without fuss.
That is 3.34
